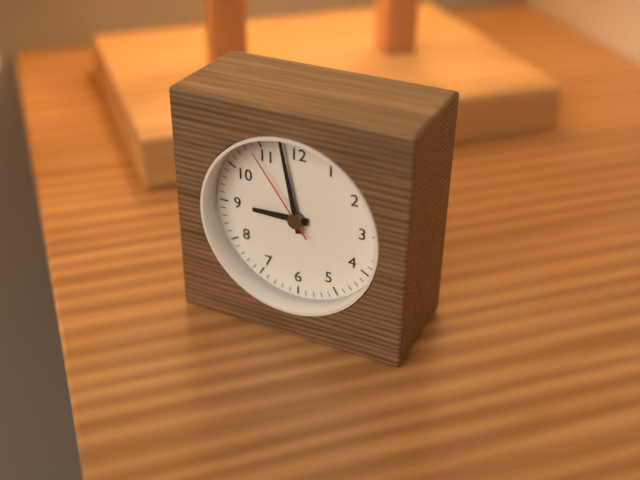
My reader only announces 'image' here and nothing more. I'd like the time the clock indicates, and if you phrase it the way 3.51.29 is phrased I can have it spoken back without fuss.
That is 8.58.54
